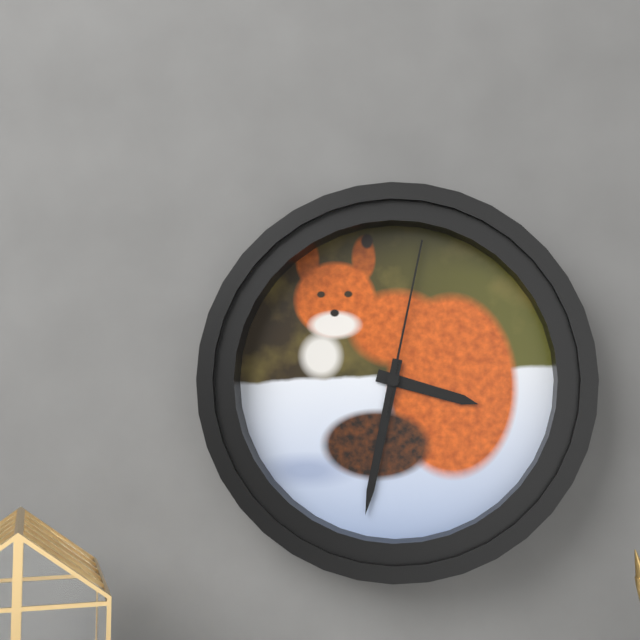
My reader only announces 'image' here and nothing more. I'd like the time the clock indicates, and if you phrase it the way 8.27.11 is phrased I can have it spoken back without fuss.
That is 3.32.02
